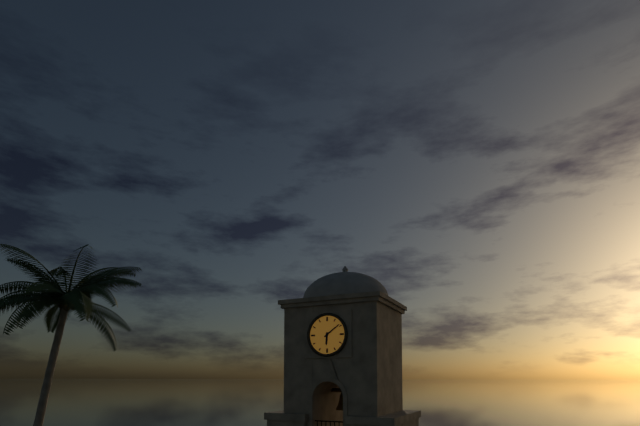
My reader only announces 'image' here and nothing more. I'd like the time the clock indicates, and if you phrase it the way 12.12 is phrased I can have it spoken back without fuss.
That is 6.09
